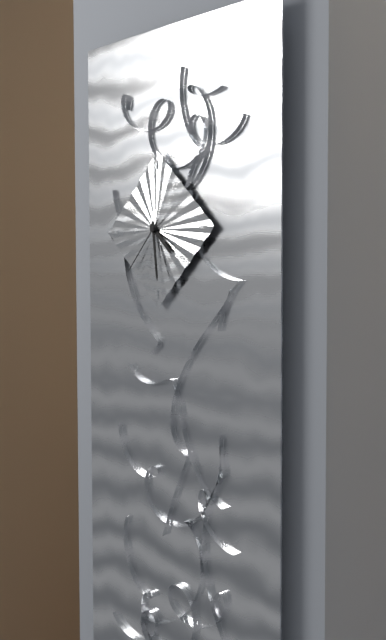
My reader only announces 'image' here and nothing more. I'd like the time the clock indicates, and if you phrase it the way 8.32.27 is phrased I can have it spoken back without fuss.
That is 4.29.37
